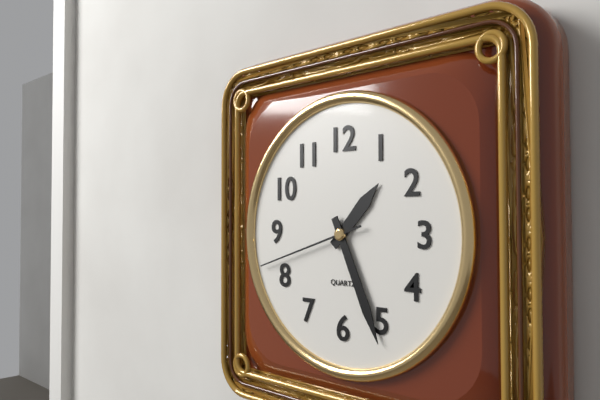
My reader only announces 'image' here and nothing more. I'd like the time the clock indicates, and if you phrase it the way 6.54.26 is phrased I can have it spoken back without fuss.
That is 1.26.42
